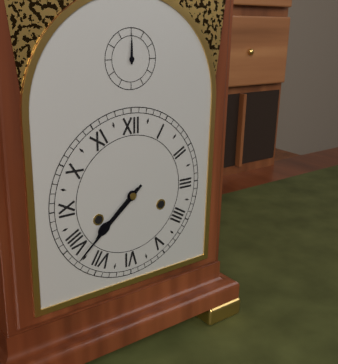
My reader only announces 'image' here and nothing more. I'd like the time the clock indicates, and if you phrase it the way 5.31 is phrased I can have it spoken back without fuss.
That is 7.38
